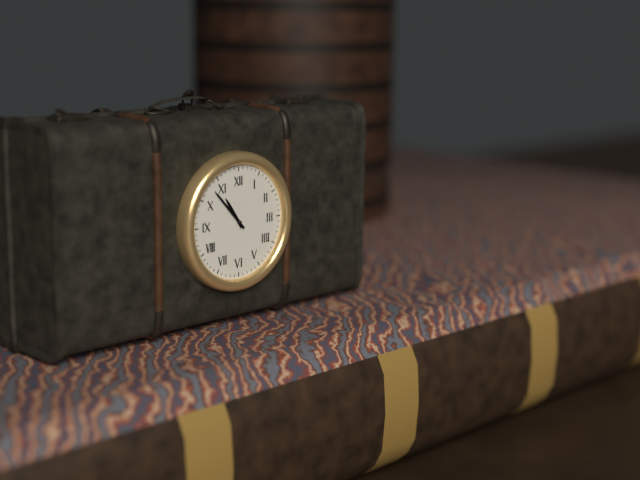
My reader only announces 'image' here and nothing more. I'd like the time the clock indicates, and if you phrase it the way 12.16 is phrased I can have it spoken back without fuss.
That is 10.53
